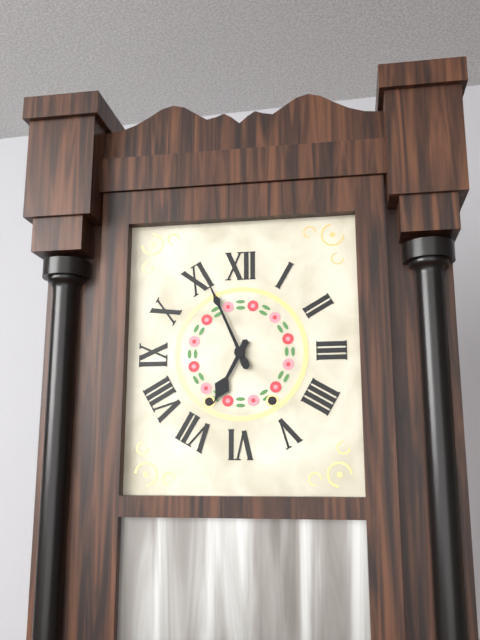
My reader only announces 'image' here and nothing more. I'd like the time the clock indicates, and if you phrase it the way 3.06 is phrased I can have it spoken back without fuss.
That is 6.56
